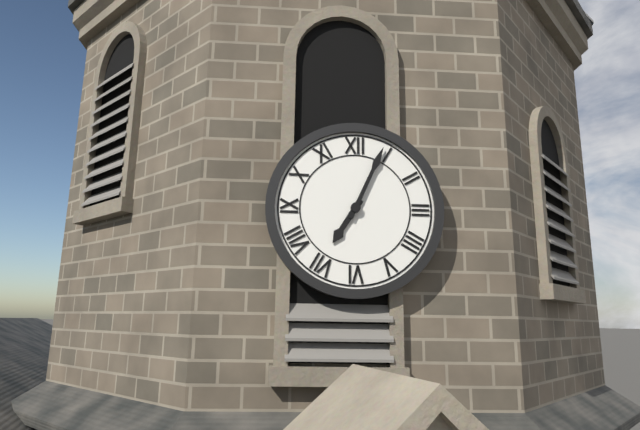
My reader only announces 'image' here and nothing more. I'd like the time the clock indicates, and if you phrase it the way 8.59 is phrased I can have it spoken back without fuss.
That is 7.04
